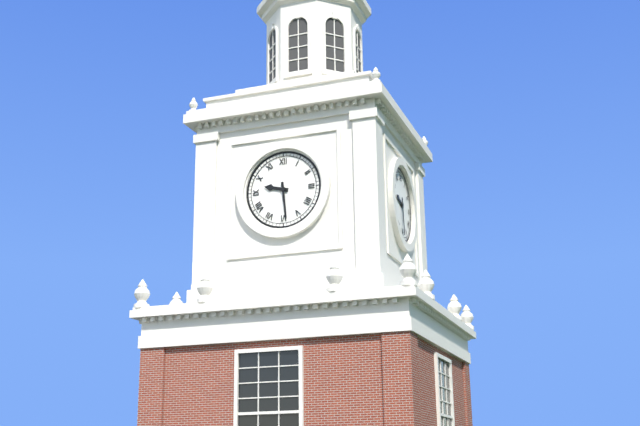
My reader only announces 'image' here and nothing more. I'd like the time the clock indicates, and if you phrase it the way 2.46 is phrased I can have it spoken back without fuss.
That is 9.29
